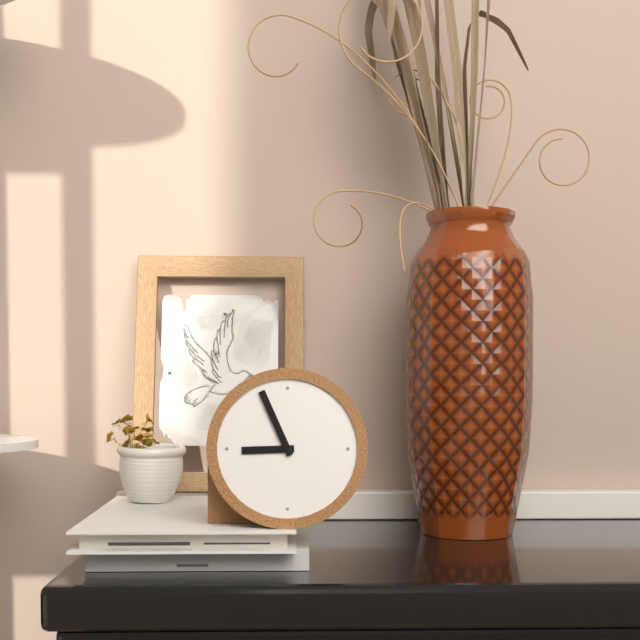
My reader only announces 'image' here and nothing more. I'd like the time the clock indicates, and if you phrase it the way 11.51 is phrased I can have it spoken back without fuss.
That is 8.56
